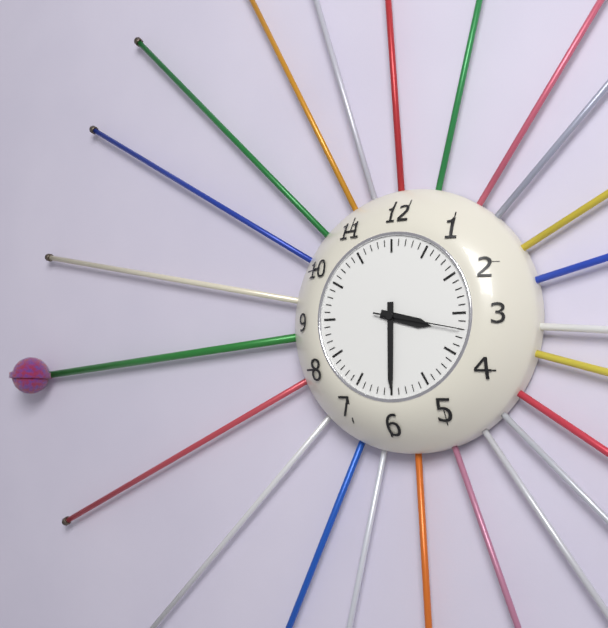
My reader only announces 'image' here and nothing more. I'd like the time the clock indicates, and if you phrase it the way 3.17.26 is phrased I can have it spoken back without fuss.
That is 3.30.17
